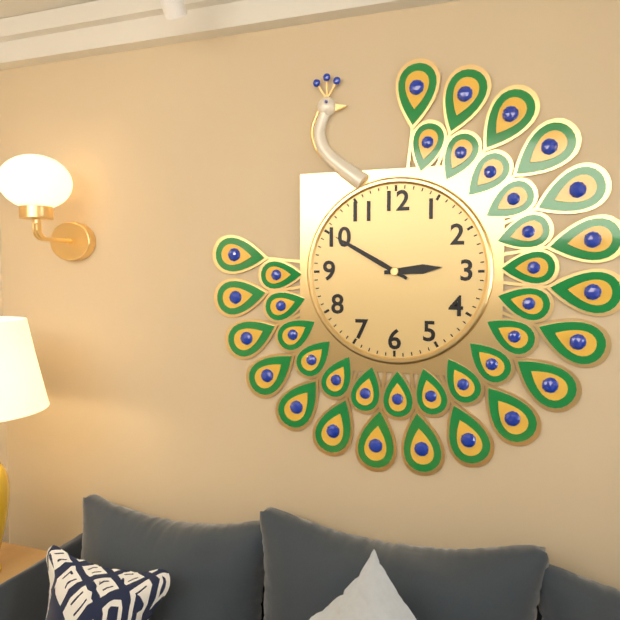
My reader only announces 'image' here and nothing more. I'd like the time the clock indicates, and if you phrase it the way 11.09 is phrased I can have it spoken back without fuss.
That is 2.50
